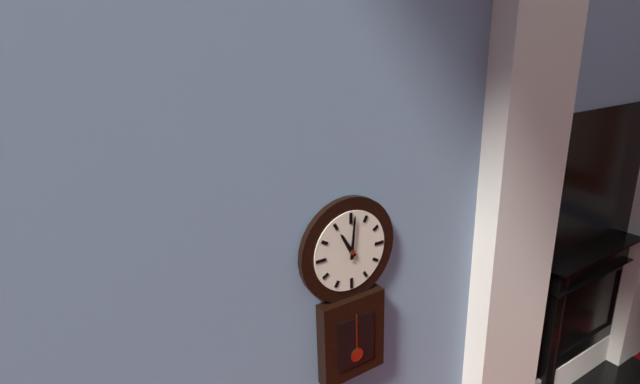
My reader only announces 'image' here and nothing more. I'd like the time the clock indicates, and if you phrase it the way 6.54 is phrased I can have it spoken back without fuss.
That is 11.01
